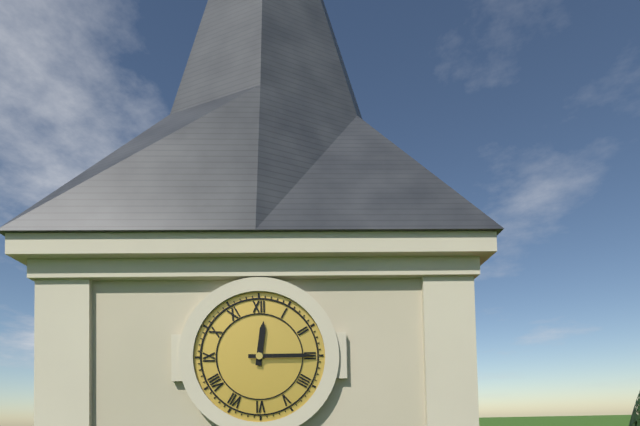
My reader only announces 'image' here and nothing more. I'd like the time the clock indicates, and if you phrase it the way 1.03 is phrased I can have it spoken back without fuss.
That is 12.15
